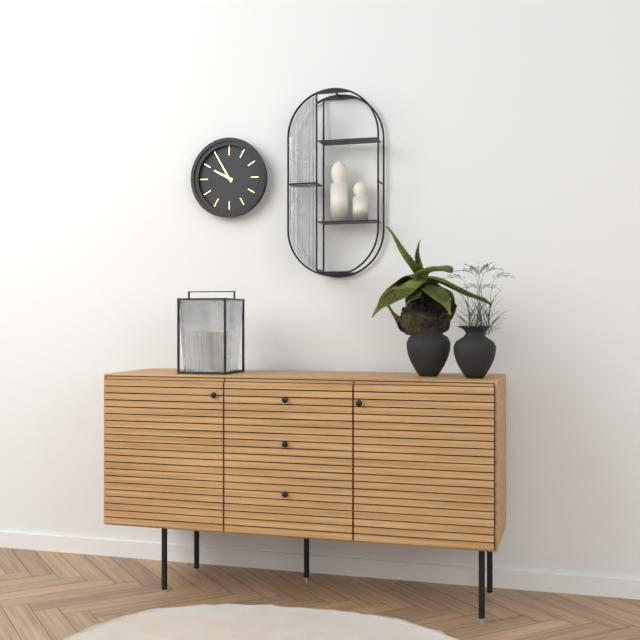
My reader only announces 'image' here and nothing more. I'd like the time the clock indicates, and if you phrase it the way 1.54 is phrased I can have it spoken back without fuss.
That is 9.55
